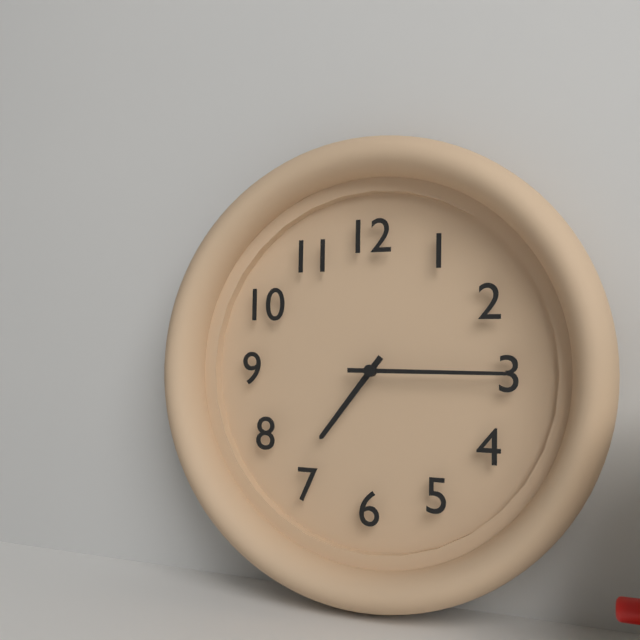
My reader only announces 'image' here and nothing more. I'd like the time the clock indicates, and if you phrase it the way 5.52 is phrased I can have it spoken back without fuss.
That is 7.15
